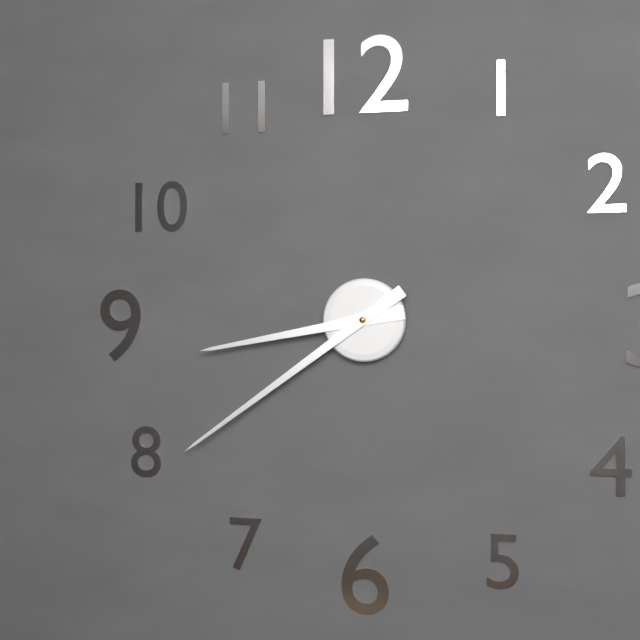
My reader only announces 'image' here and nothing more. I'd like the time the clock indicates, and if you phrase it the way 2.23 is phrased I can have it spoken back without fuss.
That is 8.39
